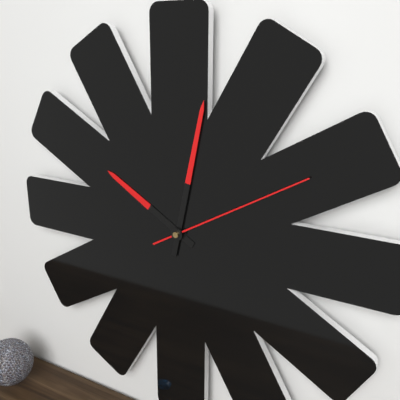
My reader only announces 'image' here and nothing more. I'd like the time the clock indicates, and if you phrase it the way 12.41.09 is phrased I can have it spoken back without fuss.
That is 10.02.10
